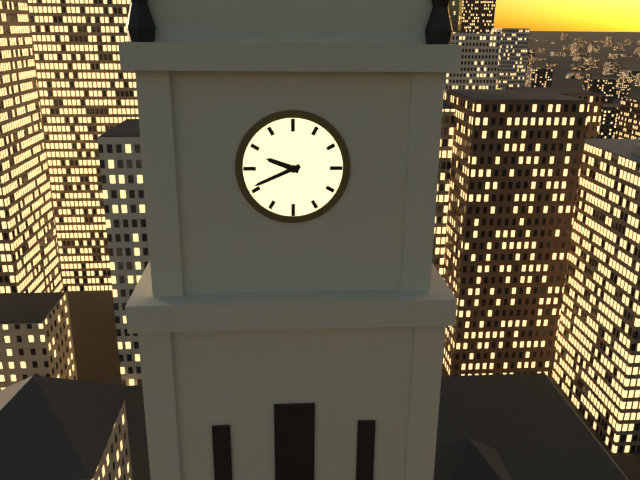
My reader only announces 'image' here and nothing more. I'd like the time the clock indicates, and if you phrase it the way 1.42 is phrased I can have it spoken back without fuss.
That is 9.41
